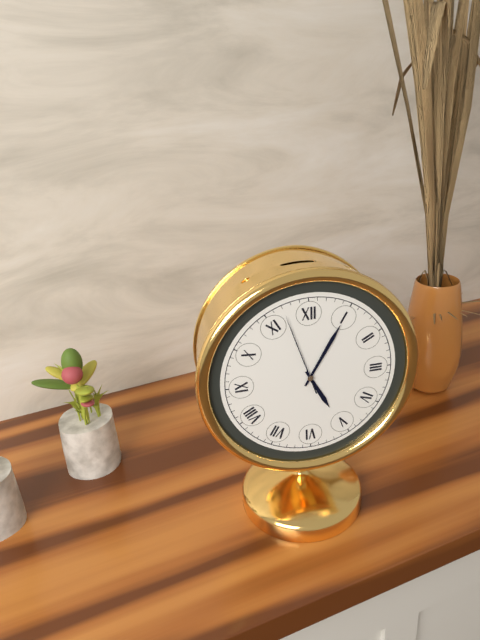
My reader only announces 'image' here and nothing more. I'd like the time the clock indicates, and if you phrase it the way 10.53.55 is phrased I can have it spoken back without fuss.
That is 5.05.57
